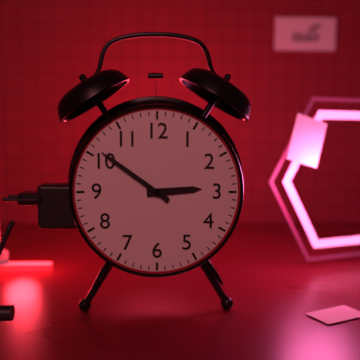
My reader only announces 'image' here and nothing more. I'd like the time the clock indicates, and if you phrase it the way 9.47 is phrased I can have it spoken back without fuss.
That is 2.51
